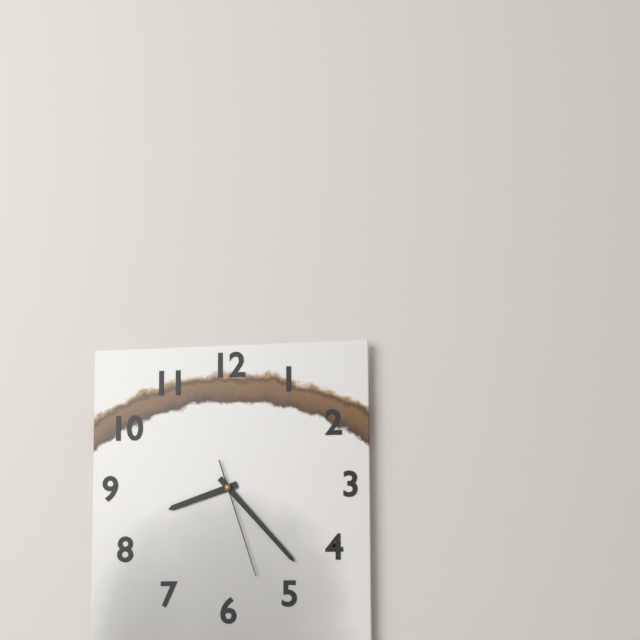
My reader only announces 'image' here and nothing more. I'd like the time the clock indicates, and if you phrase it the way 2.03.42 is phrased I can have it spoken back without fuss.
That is 8.23.27
